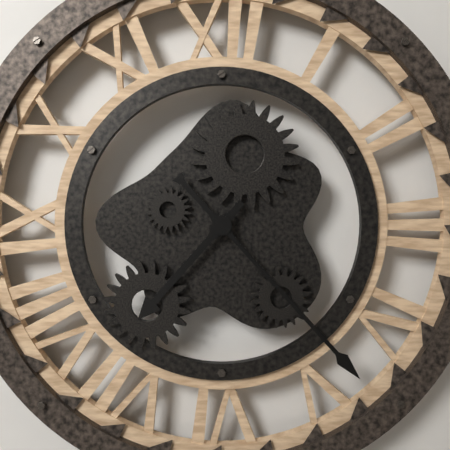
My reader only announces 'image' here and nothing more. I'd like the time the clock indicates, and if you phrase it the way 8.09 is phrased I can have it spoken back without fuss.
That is 7.23
